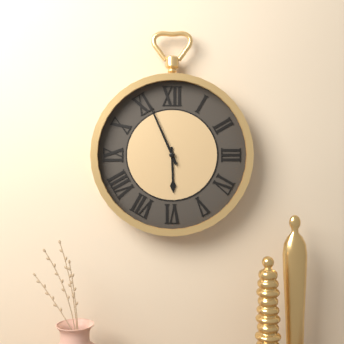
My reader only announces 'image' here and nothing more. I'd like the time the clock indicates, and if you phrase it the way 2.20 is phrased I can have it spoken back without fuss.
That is 5.56
